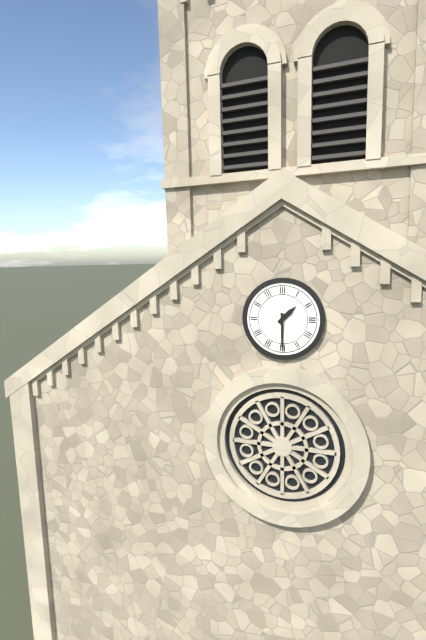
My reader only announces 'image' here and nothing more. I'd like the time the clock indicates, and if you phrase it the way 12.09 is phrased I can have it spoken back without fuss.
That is 1.30
